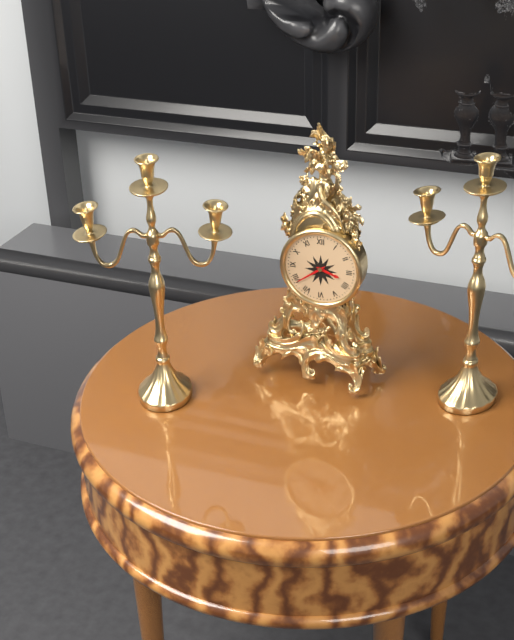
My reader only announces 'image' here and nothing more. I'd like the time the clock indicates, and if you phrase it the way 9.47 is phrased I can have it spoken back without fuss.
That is 3.39
